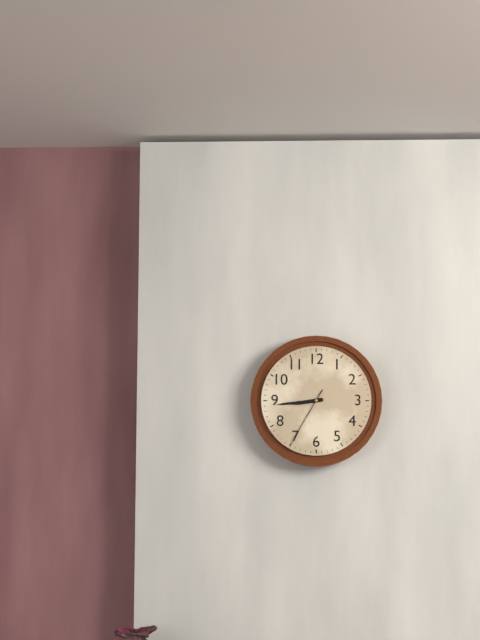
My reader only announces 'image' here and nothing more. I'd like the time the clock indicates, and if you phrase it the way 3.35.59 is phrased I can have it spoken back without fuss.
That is 8.44.35
